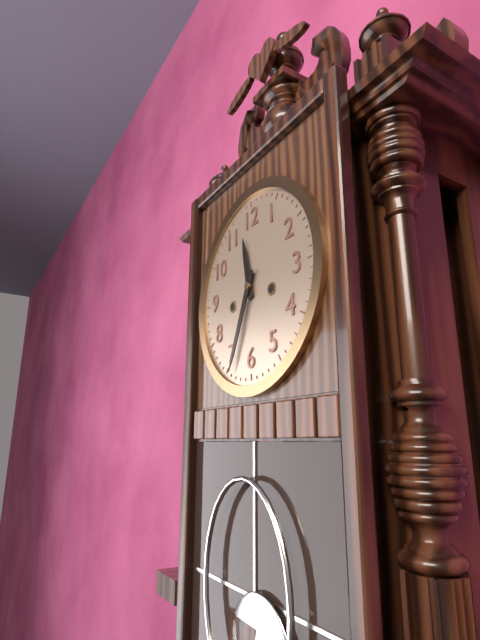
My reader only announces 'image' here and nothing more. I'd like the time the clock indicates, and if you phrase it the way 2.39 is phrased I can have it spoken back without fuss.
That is 11.34
